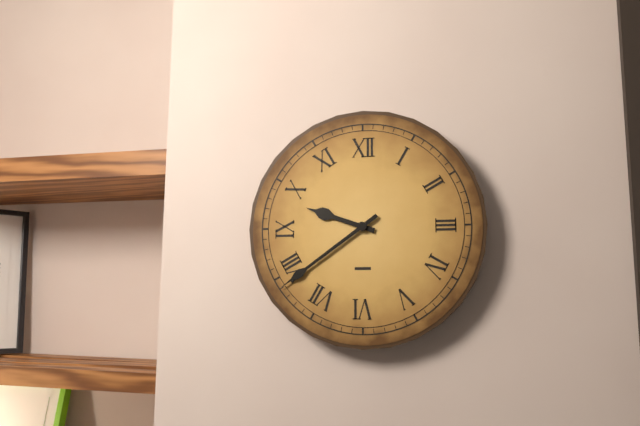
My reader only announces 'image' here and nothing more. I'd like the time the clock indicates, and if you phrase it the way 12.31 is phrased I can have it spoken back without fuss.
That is 9.39
